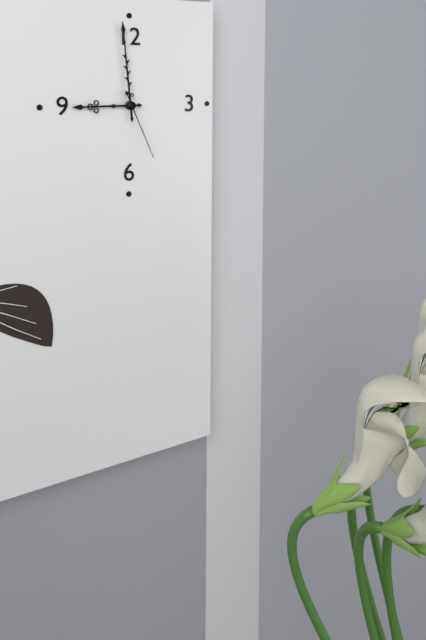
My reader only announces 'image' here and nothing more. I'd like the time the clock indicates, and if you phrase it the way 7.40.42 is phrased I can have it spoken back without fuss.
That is 8.59.26
